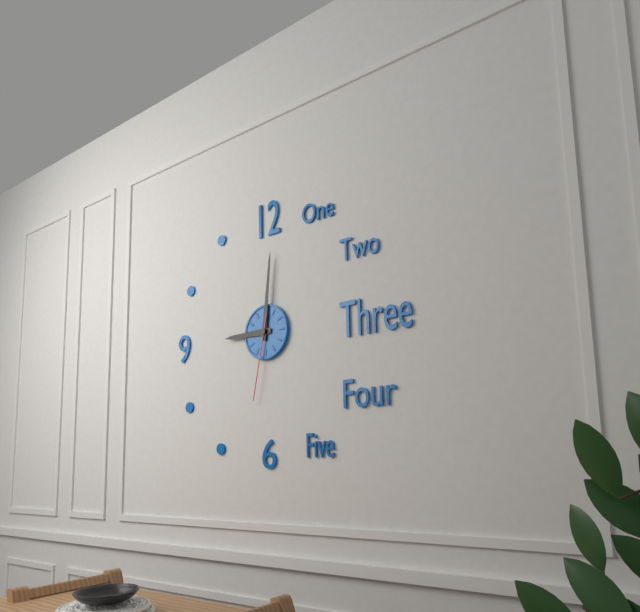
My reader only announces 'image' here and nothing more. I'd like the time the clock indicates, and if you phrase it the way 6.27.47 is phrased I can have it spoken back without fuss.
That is 9.01.32
